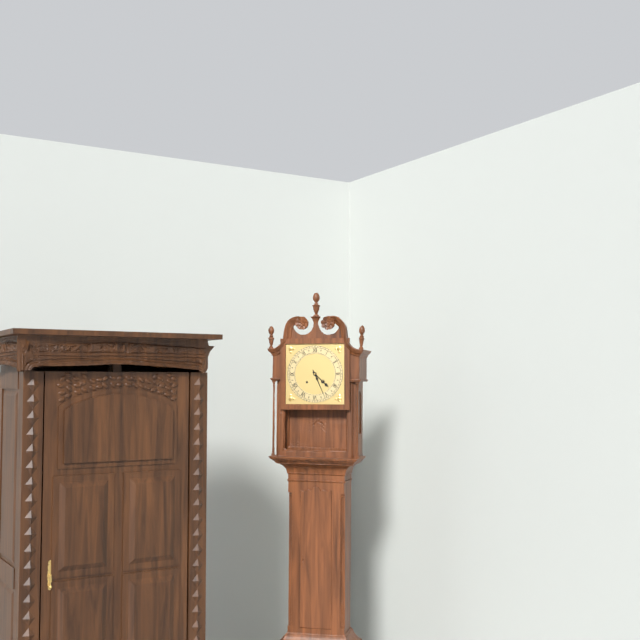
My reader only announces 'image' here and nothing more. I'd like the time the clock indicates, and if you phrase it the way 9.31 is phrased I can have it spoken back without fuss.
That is 4.26
